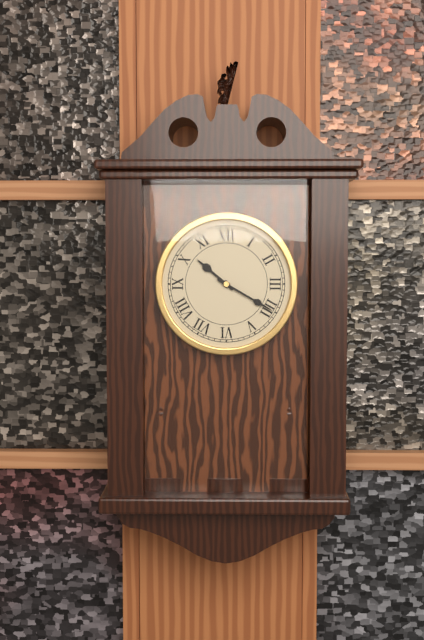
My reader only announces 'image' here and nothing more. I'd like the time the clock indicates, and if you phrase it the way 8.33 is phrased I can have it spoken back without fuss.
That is 10.20
